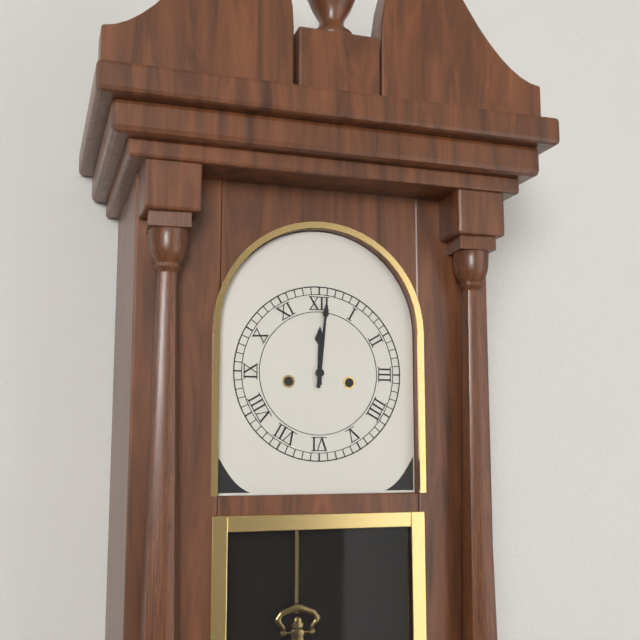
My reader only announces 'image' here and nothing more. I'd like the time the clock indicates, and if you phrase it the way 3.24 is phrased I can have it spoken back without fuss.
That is 12.01
